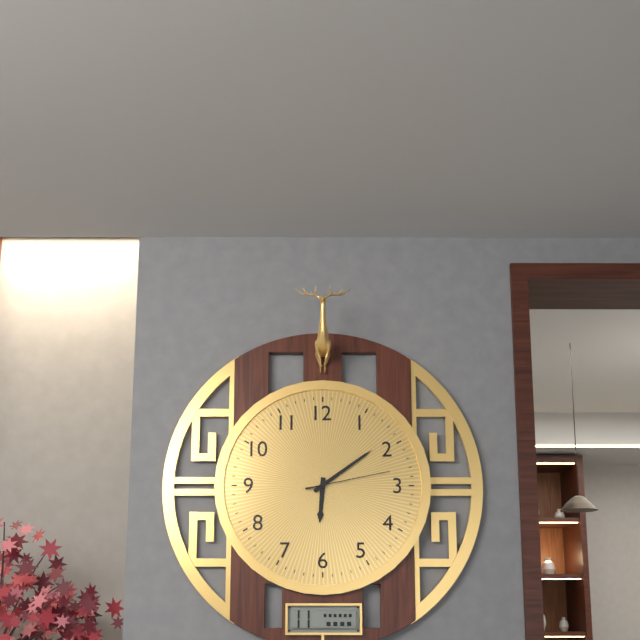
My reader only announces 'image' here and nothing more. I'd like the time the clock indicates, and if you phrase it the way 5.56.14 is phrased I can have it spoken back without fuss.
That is 6.09.13
